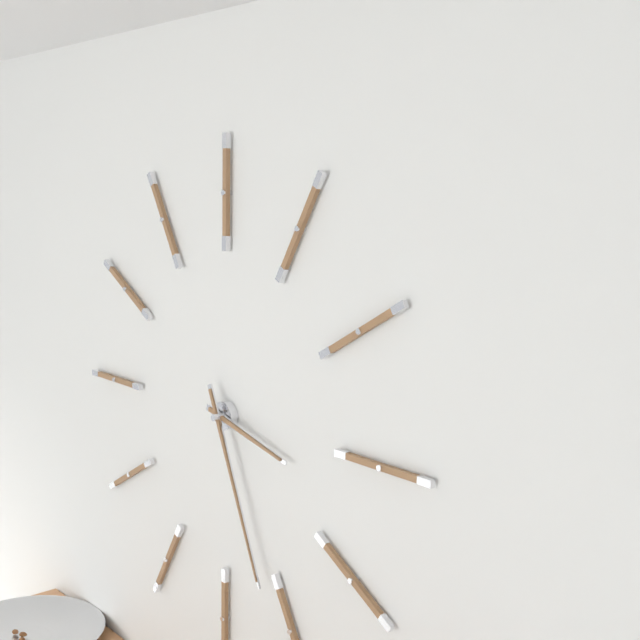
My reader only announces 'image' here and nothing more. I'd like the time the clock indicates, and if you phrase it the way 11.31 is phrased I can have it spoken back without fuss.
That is 3.26
